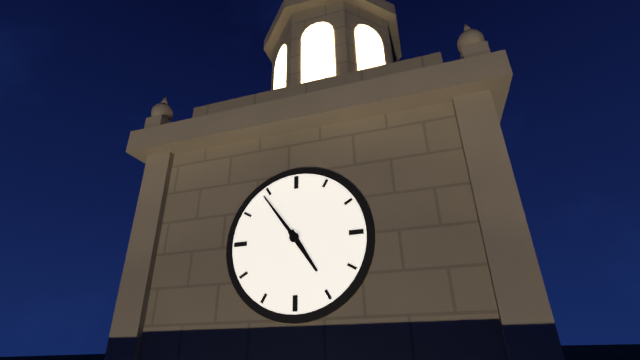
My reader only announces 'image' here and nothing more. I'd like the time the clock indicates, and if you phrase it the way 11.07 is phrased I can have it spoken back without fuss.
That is 4.54
